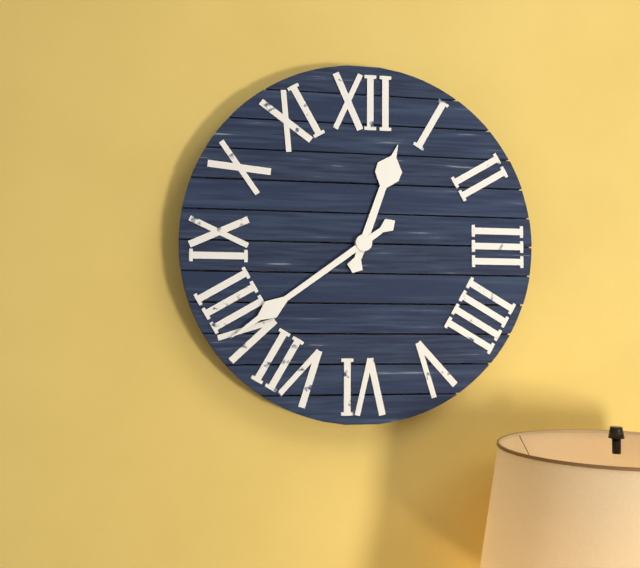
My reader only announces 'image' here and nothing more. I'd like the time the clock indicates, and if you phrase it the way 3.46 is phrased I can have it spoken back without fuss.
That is 12.39
